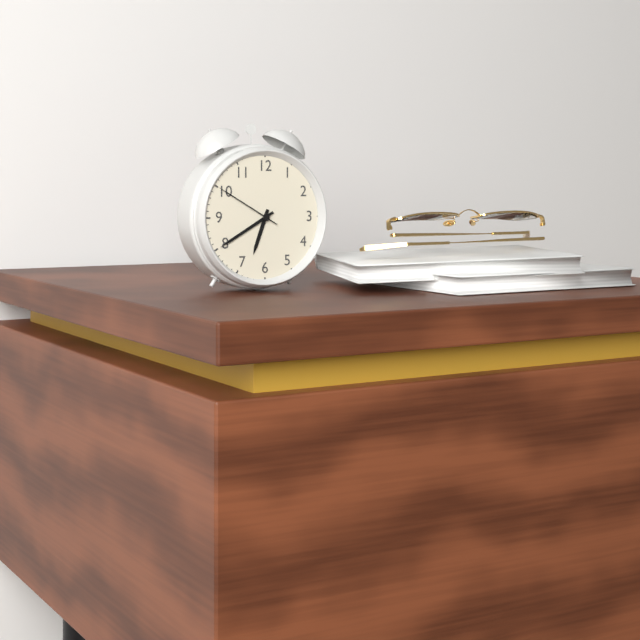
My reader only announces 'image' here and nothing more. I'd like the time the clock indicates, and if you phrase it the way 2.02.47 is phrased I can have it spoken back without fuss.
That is 6.40.50
